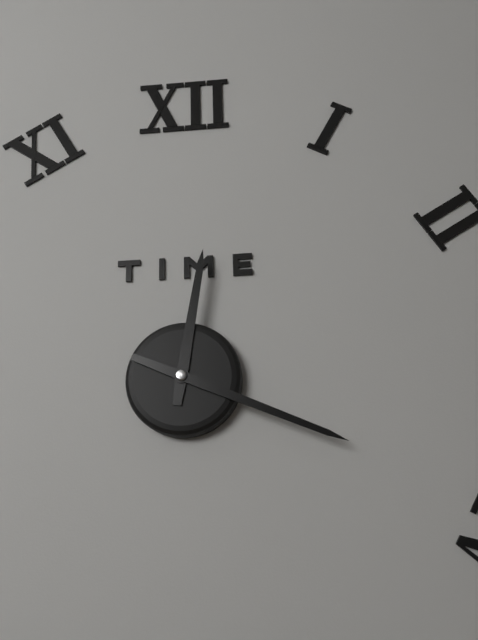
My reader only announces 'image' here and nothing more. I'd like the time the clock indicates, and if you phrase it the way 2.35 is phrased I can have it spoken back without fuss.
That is 12.19
